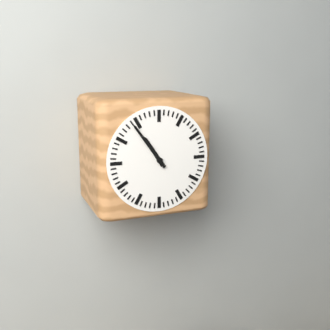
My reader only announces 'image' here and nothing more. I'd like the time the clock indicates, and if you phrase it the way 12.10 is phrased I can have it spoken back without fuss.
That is 10.54
